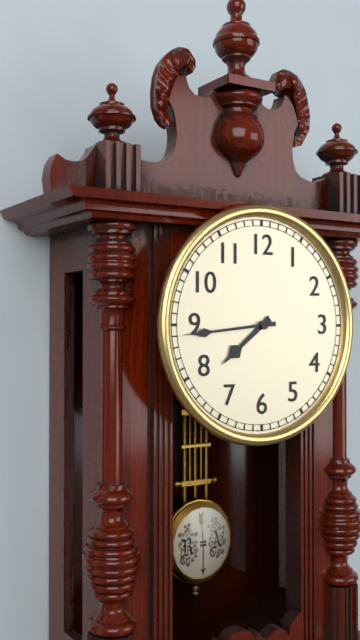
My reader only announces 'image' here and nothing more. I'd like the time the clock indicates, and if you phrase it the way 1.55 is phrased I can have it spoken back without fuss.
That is 7.44
